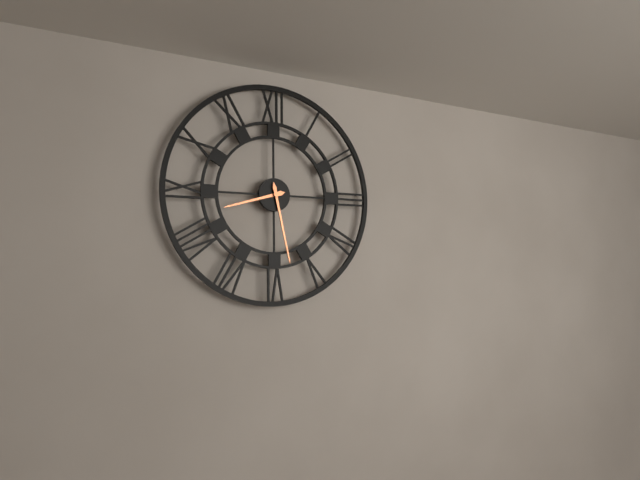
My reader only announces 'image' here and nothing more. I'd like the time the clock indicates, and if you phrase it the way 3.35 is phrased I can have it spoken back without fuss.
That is 8.28
